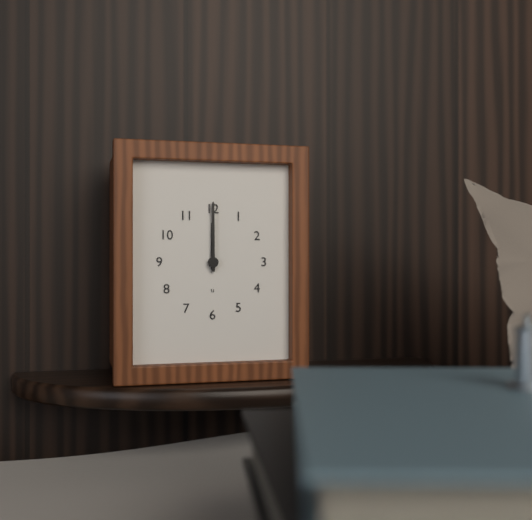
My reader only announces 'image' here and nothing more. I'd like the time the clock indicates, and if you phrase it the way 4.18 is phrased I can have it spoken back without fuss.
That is 12.00
